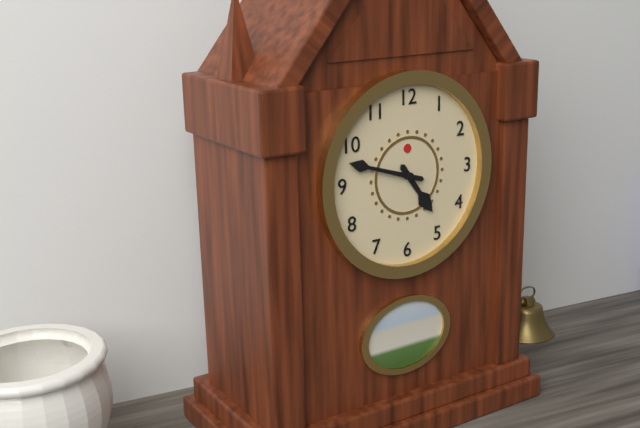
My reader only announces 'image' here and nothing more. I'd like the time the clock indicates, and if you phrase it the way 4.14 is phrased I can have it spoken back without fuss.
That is 4.48
